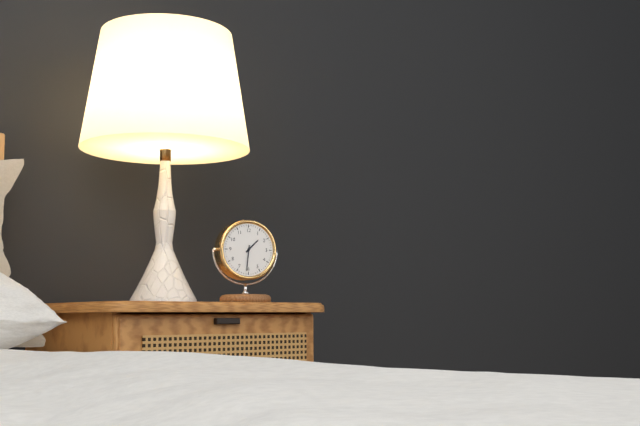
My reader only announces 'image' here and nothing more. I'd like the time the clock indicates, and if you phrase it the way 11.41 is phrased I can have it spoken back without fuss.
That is 1.31
